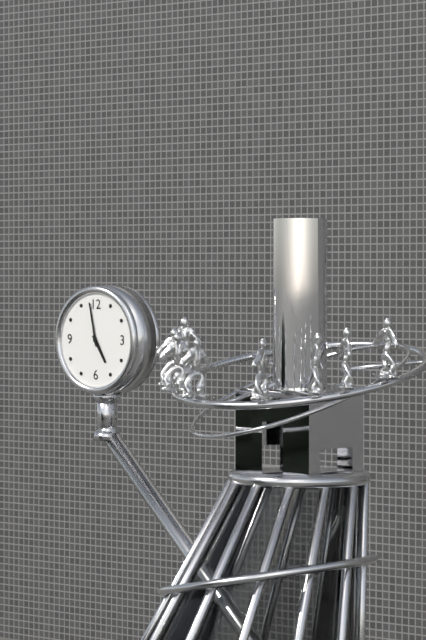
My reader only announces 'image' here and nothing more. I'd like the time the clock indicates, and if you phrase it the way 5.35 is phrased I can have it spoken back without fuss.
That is 4.58
